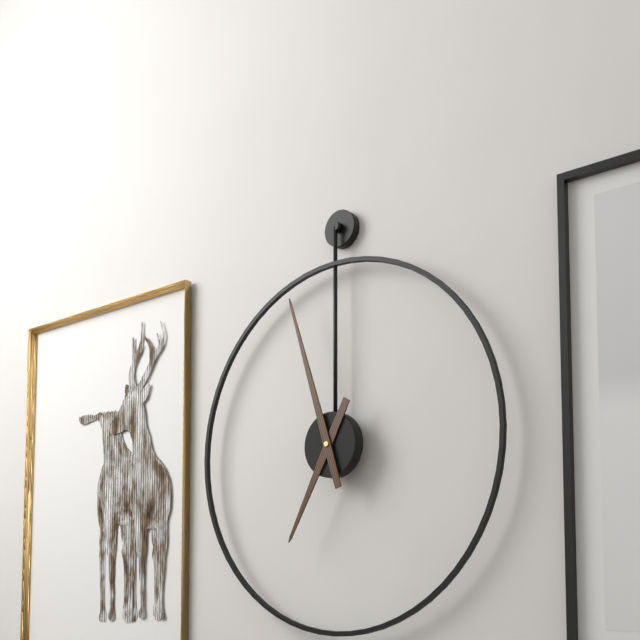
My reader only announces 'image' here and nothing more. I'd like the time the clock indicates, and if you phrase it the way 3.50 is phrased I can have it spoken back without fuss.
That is 6.57
